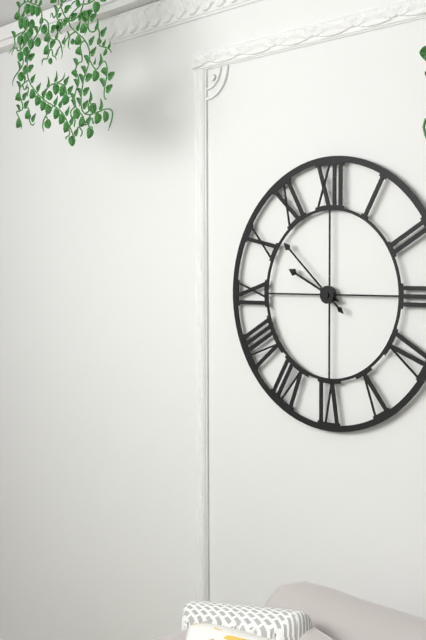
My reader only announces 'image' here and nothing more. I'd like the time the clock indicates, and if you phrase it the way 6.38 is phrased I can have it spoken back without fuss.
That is 9.52
